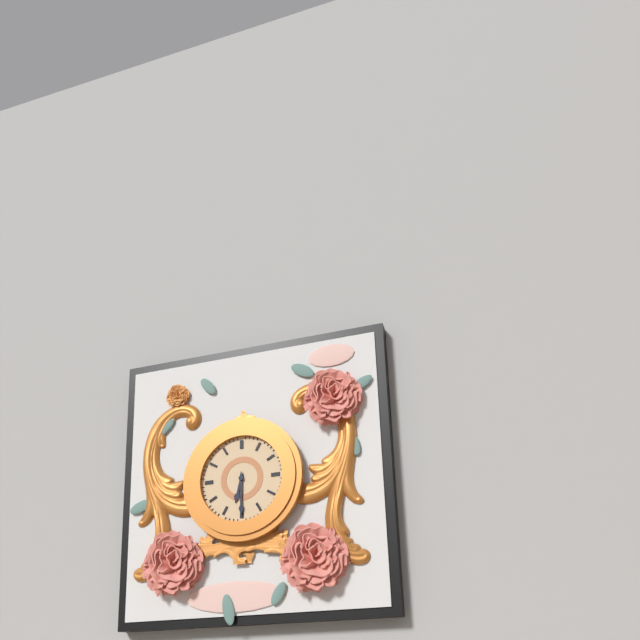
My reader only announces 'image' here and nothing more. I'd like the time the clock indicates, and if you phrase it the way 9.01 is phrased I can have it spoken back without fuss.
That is 6.30
